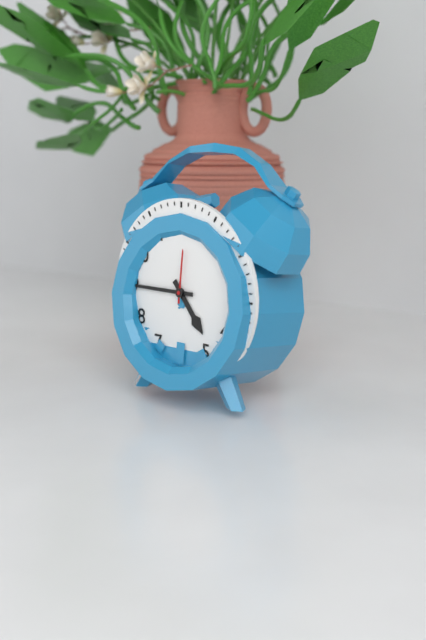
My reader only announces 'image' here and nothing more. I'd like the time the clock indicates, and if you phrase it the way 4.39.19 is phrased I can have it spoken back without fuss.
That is 4.45.01
